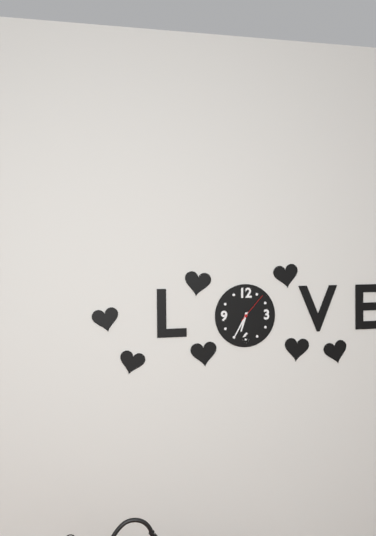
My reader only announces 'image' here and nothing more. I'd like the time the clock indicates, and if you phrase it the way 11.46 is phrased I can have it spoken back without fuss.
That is 6.35
